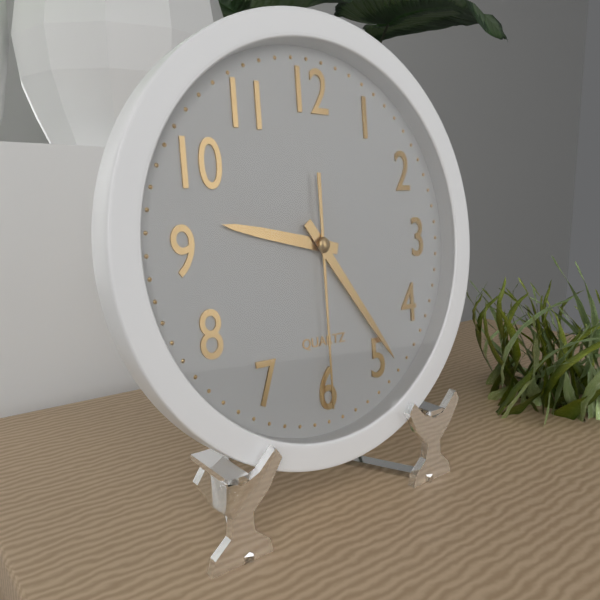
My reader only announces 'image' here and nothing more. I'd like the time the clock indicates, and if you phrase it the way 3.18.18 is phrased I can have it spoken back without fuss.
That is 9.24.30
